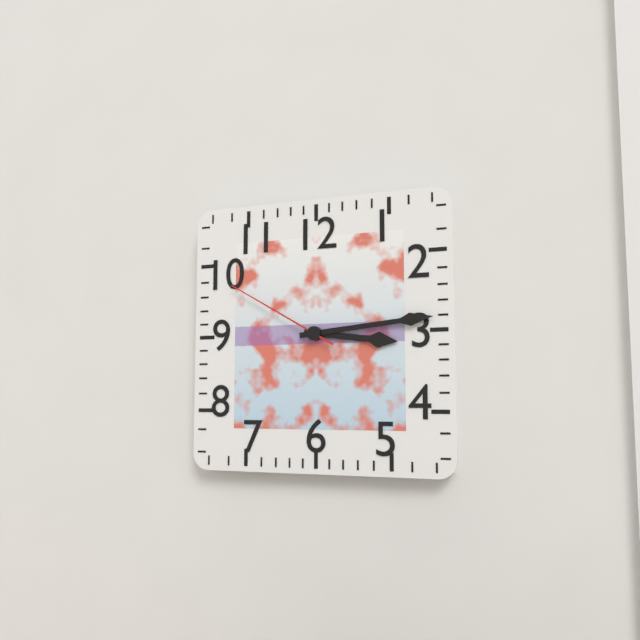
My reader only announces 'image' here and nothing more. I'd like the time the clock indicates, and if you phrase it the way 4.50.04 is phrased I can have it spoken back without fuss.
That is 3.14.50
